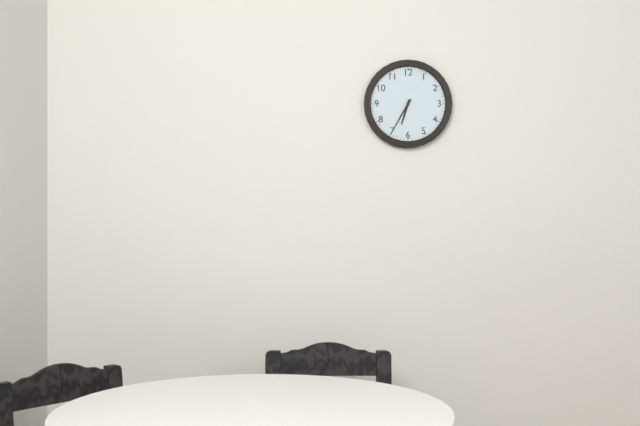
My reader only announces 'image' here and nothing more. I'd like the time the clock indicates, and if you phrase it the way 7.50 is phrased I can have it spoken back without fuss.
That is 6.35
